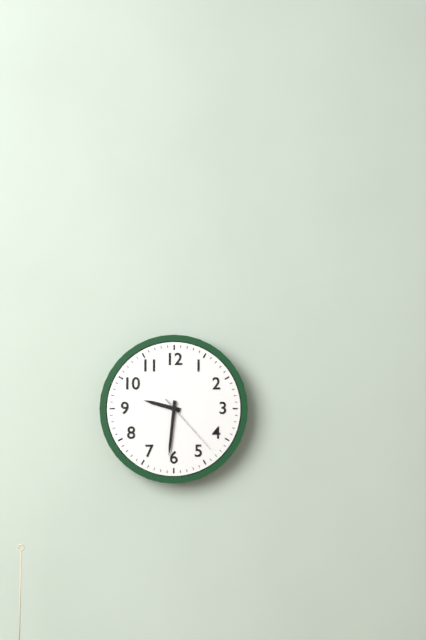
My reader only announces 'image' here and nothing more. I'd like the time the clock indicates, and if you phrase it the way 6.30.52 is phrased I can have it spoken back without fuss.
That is 9.31.23
